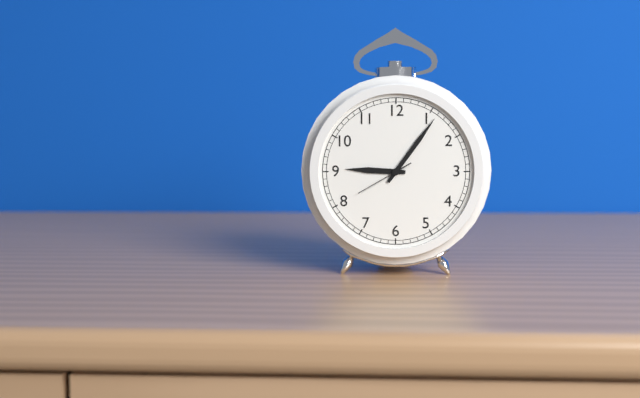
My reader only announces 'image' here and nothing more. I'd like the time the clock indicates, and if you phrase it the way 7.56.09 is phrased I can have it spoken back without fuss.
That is 9.06.40
